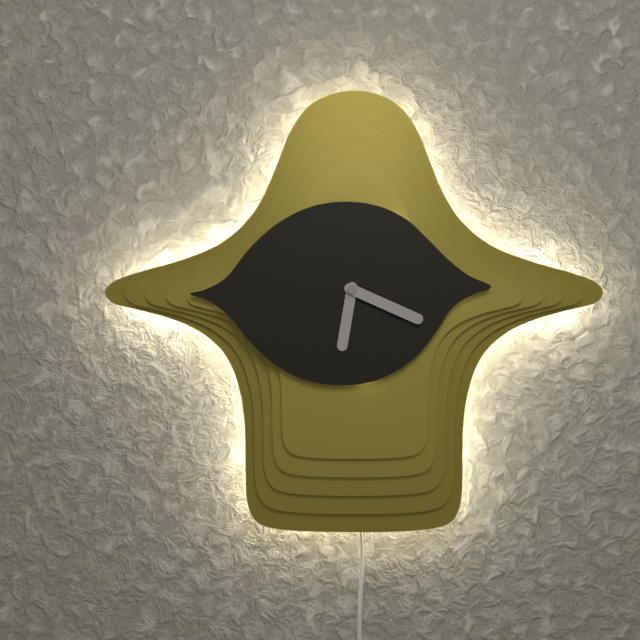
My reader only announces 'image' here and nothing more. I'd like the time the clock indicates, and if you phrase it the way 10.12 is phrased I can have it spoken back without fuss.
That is 6.19
